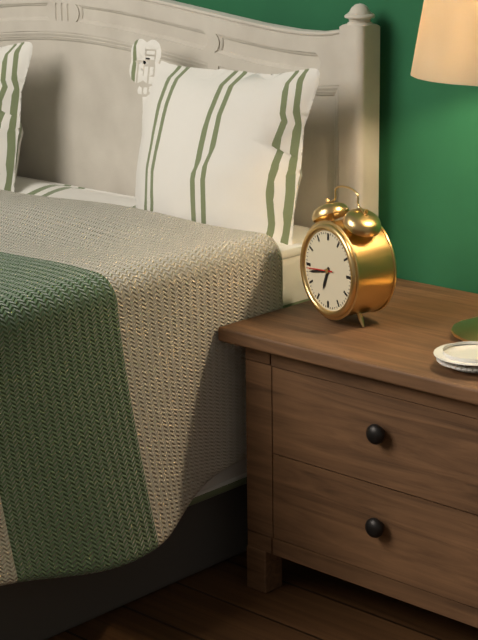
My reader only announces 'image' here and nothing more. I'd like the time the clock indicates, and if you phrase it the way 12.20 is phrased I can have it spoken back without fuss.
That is 6.43
